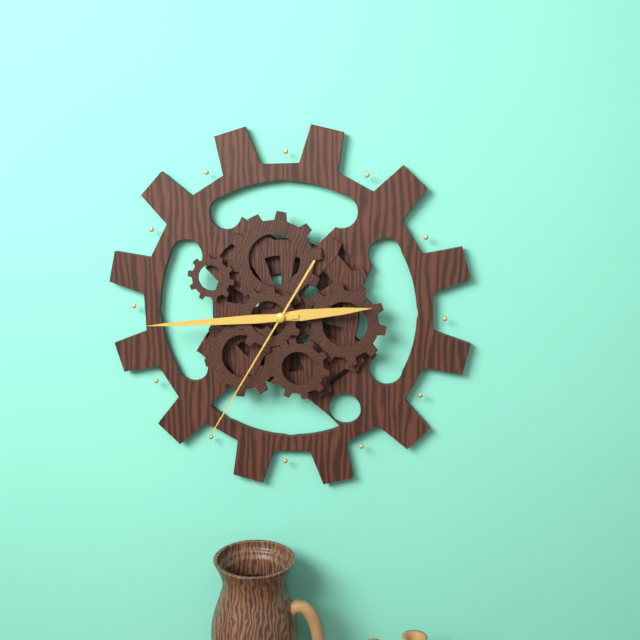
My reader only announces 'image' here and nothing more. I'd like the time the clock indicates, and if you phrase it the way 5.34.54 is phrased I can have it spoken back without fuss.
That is 2.44.35
